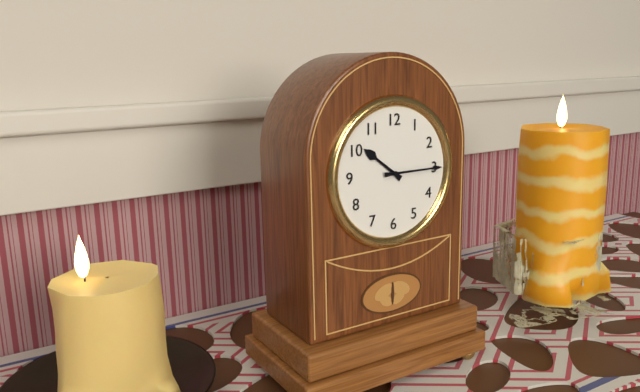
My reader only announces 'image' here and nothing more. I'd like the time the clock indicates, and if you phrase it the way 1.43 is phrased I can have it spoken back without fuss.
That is 10.15
